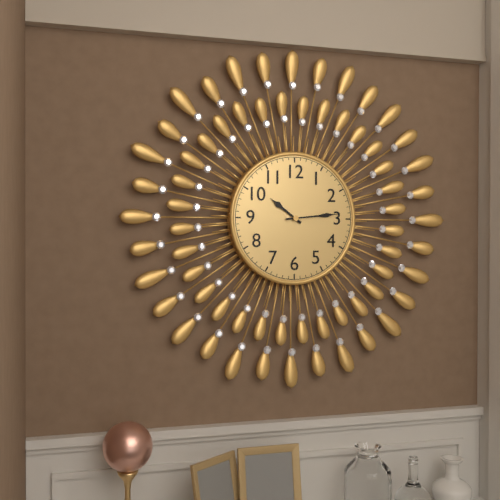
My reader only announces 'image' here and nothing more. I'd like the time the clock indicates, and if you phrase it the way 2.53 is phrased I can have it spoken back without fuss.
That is 10.14
